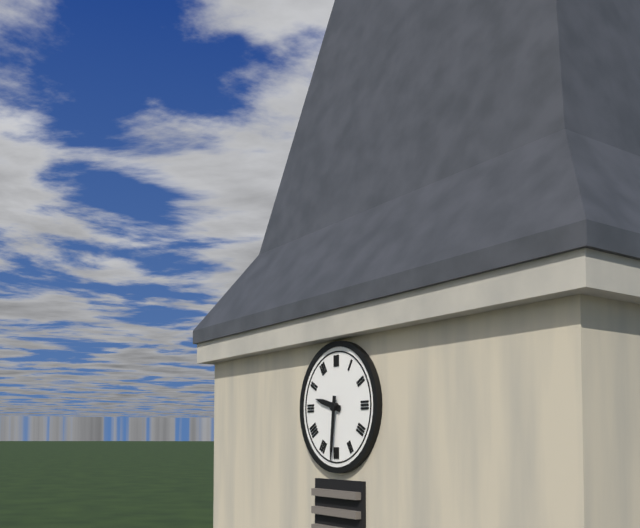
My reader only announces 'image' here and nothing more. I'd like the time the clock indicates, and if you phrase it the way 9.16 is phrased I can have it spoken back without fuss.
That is 9.31
